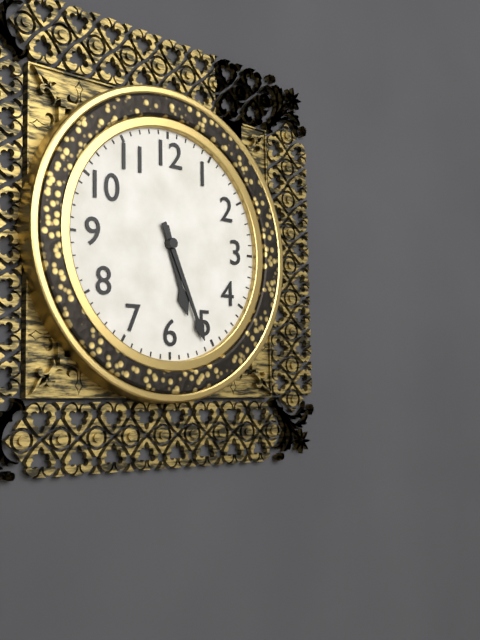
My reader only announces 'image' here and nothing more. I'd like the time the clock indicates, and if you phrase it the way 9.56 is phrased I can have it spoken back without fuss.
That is 5.26
